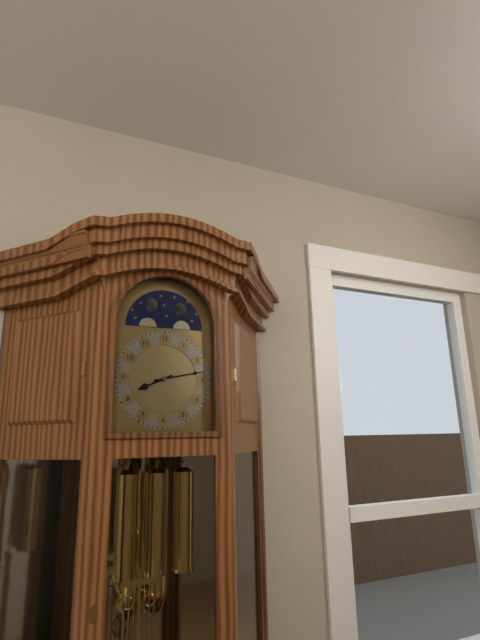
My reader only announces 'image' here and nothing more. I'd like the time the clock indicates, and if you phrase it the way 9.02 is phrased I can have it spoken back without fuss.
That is 8.13
